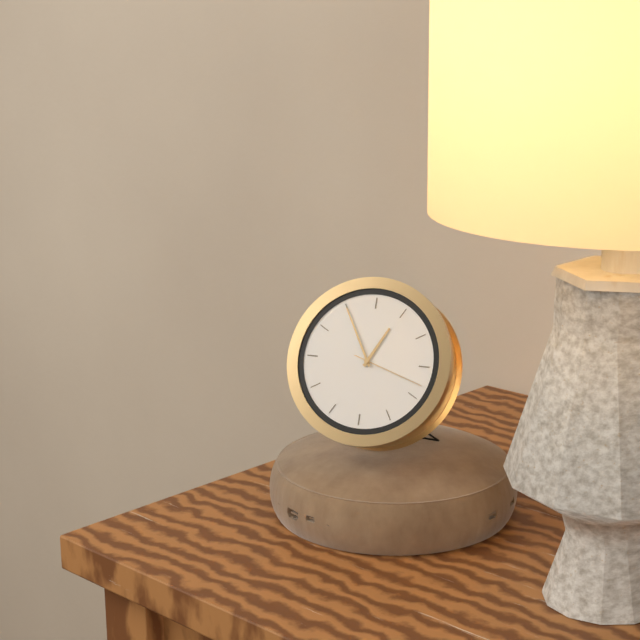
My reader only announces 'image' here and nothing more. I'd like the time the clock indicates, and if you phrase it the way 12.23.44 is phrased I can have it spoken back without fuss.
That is 12.55.18
